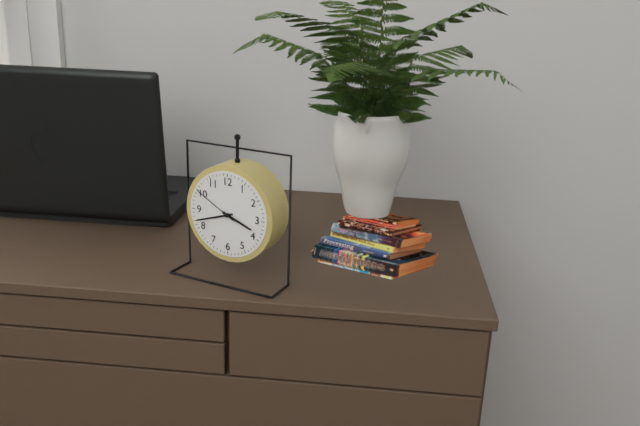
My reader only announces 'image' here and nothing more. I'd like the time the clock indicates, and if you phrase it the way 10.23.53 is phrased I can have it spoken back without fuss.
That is 3.42.50
